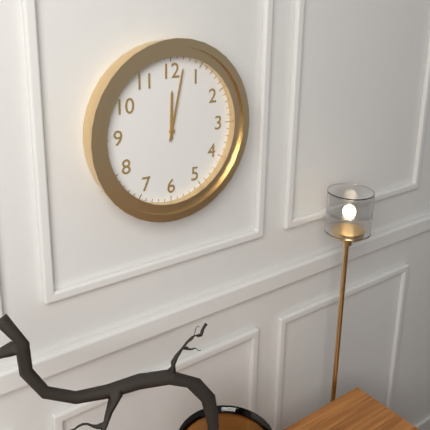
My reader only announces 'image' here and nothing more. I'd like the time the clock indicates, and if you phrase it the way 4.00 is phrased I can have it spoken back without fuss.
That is 12.02
